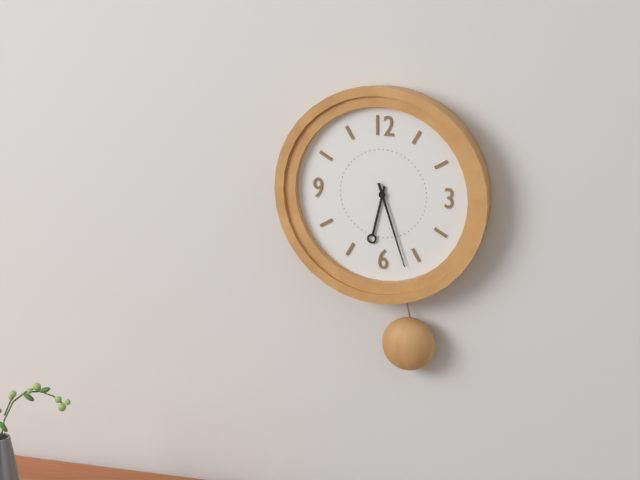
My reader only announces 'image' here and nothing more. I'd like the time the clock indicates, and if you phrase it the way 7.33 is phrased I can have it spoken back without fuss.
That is 6.27
